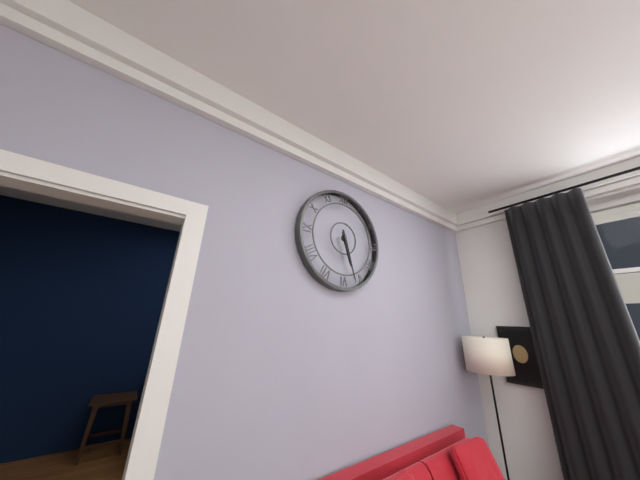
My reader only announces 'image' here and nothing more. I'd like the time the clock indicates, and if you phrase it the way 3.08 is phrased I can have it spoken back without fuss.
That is 5.27
